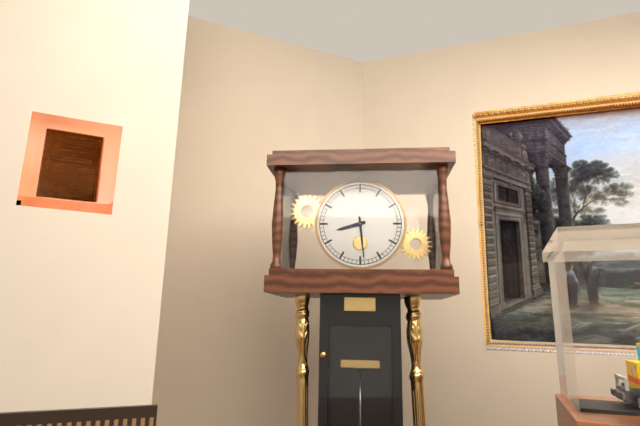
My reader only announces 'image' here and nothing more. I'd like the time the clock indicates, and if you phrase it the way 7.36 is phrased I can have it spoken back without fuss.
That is 8.29
